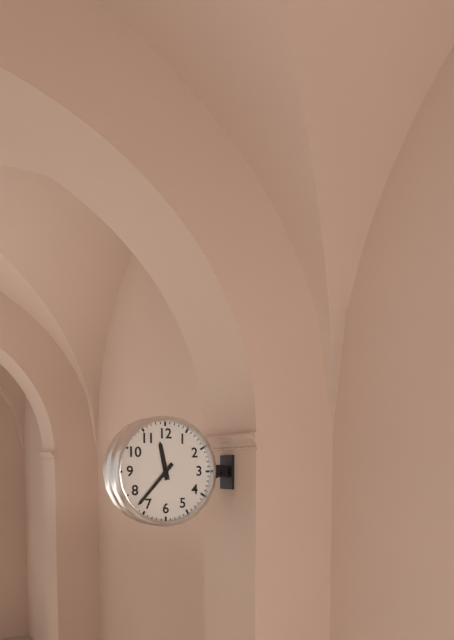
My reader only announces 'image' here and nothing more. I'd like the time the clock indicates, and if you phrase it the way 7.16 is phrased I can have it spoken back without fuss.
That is 11.37
